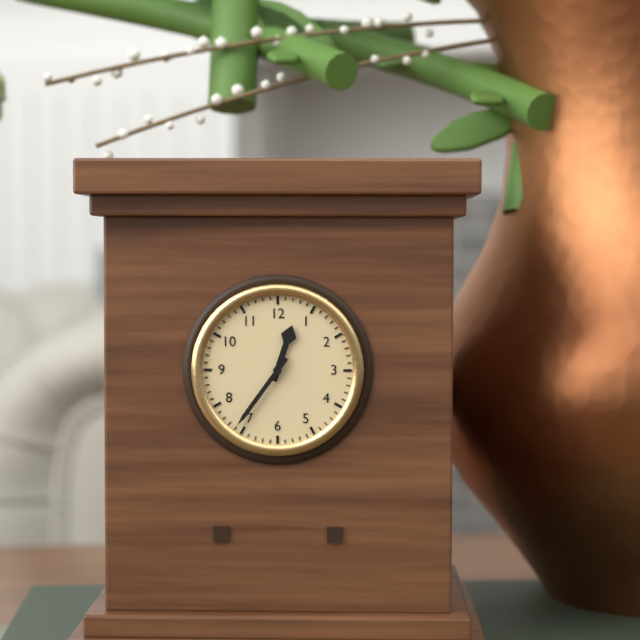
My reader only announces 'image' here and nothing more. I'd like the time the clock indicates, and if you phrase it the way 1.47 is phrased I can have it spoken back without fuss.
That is 12.36
